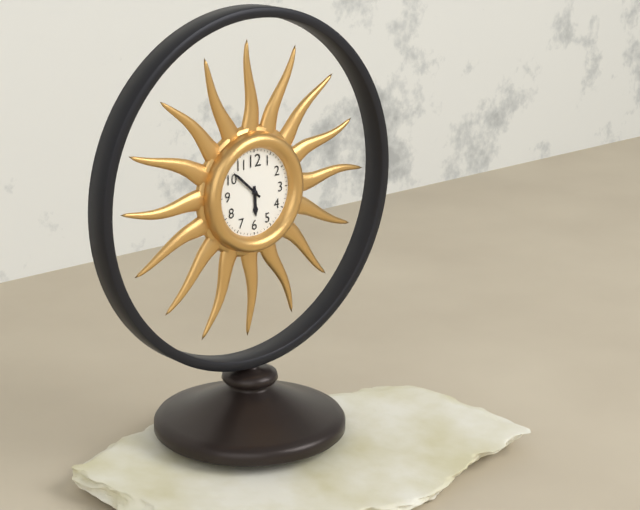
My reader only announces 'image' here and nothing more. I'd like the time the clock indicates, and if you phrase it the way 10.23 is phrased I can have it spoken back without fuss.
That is 5.52
